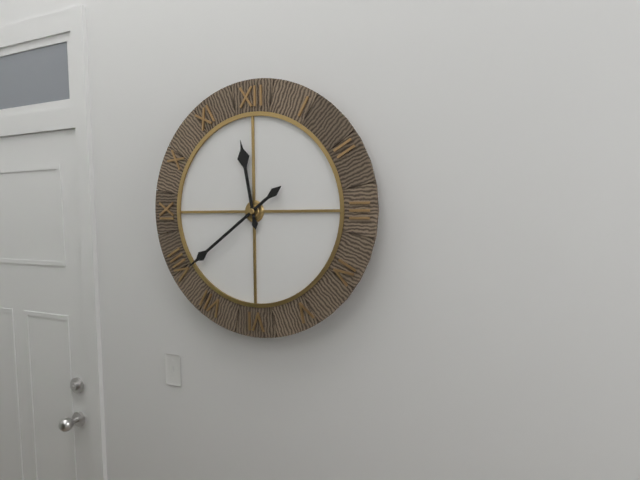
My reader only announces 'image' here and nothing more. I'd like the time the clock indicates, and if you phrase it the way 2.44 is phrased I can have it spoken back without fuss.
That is 11.39
